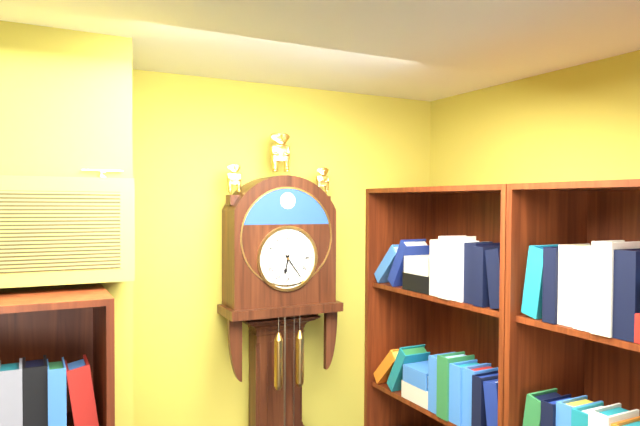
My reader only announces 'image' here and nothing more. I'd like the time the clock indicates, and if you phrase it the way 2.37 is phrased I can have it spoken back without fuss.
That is 6.24
